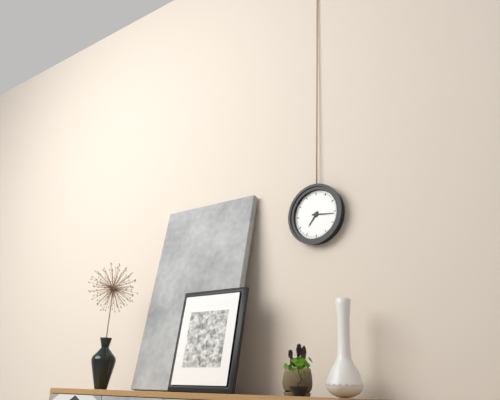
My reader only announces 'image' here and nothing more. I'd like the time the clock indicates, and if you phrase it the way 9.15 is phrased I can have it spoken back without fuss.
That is 7.16
